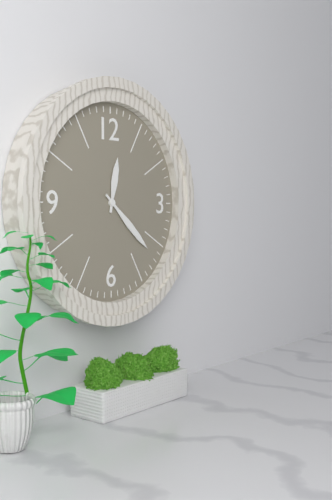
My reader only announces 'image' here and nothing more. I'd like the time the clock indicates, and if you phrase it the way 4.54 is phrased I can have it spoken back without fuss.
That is 12.22
